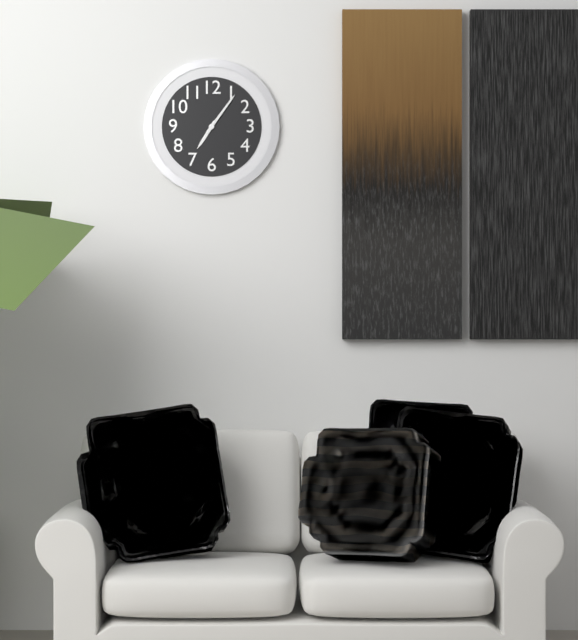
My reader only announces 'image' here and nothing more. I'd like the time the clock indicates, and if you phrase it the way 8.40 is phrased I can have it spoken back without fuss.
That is 7.06
